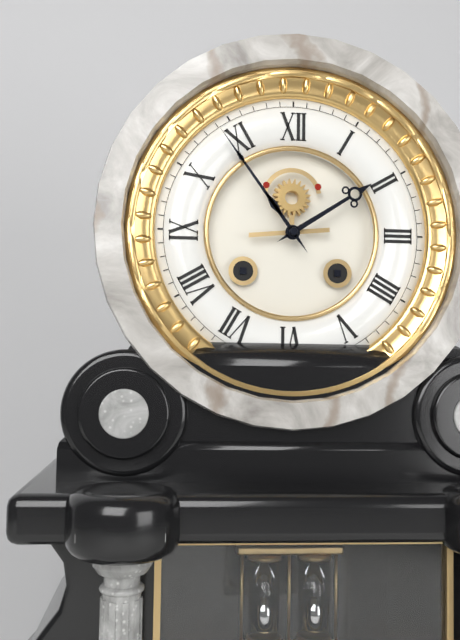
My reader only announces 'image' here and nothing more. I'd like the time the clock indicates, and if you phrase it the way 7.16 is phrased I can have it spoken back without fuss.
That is 1.54
